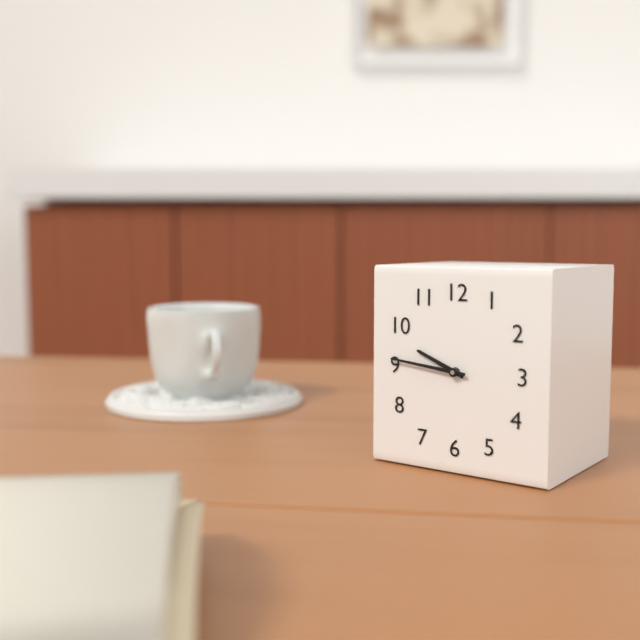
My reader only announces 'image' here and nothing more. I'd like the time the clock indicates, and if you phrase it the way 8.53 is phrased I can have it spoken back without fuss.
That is 9.46
